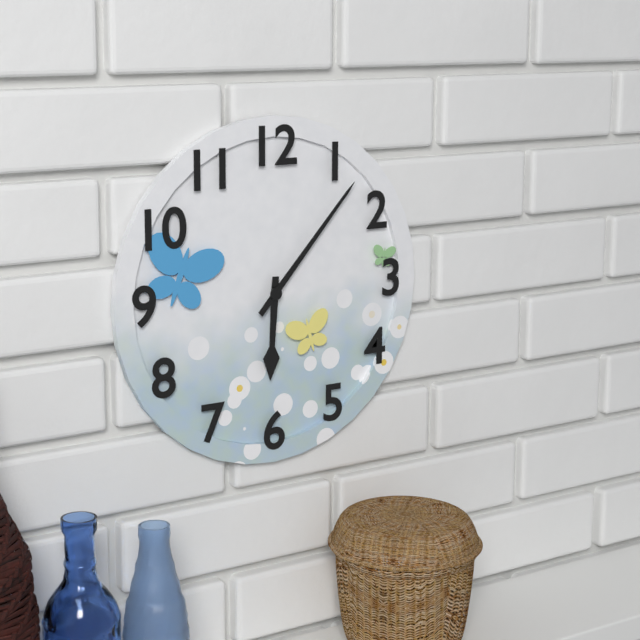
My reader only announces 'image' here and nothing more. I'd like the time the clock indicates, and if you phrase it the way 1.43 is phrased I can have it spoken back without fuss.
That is 6.07
